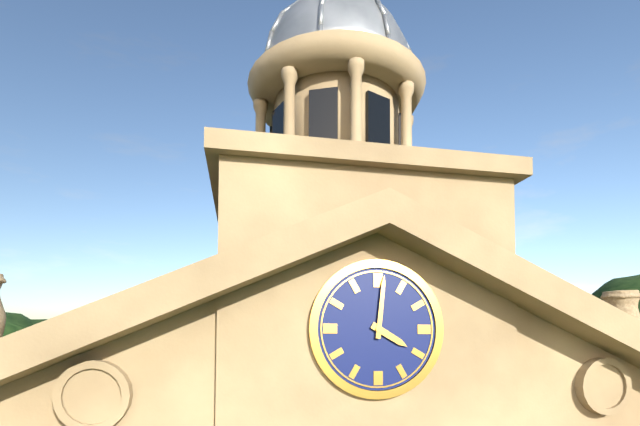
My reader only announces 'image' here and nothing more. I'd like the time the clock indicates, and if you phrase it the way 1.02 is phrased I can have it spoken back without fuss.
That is 4.01
